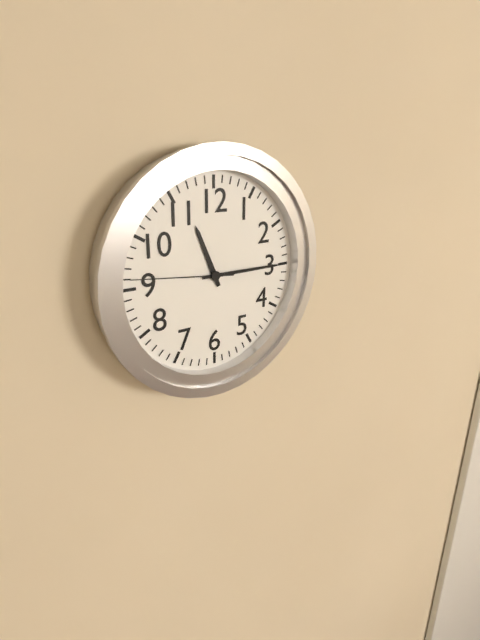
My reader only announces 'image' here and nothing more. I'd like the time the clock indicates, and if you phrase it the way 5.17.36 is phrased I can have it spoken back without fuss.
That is 11.15.46
